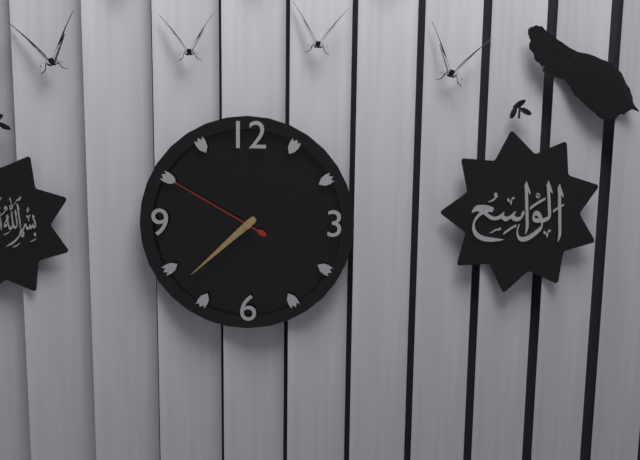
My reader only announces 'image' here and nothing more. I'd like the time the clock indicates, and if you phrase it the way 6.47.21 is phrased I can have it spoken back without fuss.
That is 7.38.50
